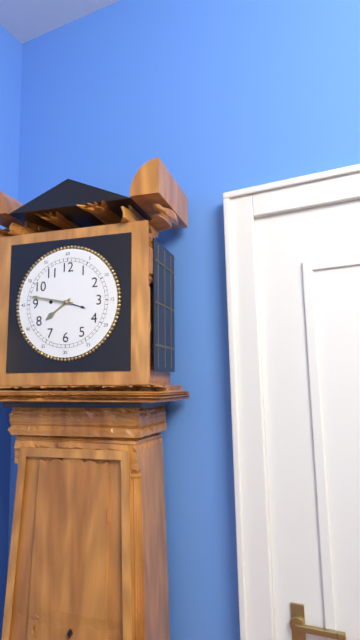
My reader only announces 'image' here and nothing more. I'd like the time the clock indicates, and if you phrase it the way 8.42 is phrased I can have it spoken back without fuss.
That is 7.47
